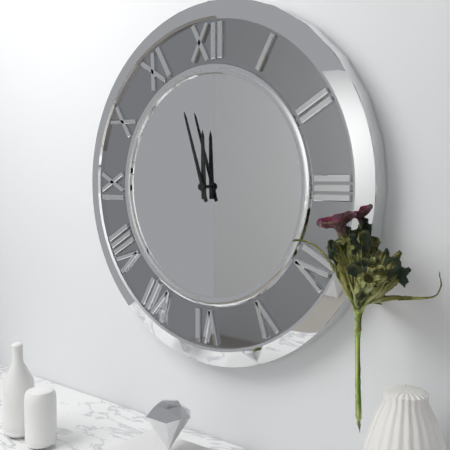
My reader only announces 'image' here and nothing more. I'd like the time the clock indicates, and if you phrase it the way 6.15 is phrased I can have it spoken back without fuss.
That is 11.57
